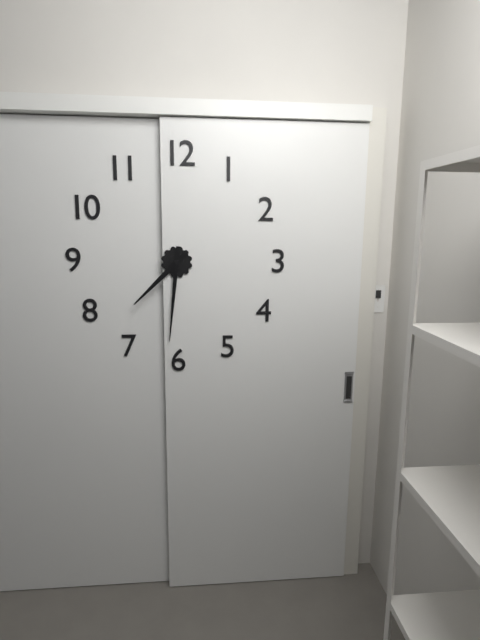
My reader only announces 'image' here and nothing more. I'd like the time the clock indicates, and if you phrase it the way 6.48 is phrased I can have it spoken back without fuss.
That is 7.31
